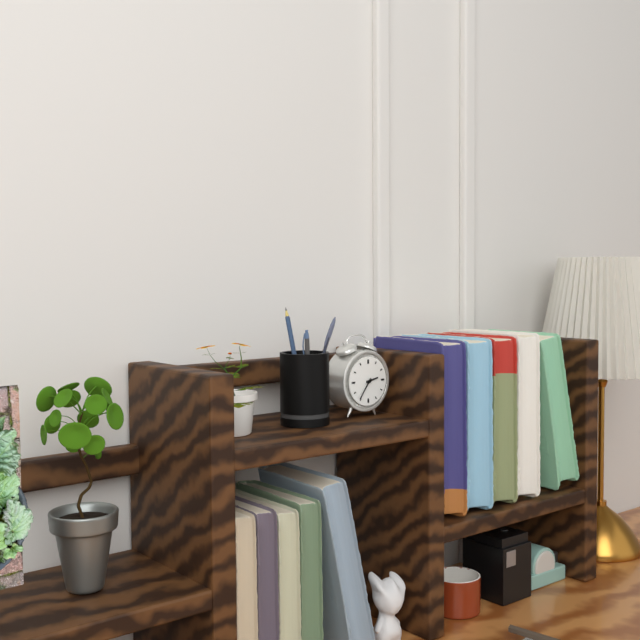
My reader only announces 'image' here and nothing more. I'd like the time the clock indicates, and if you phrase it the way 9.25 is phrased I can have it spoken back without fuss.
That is 2.36
